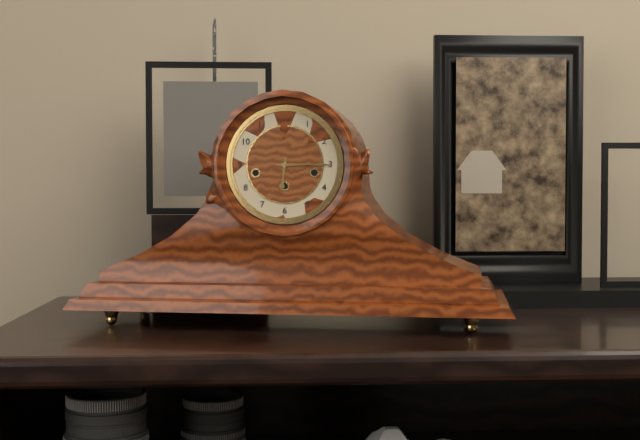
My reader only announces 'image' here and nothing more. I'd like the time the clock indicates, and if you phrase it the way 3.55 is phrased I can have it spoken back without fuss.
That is 6.15
